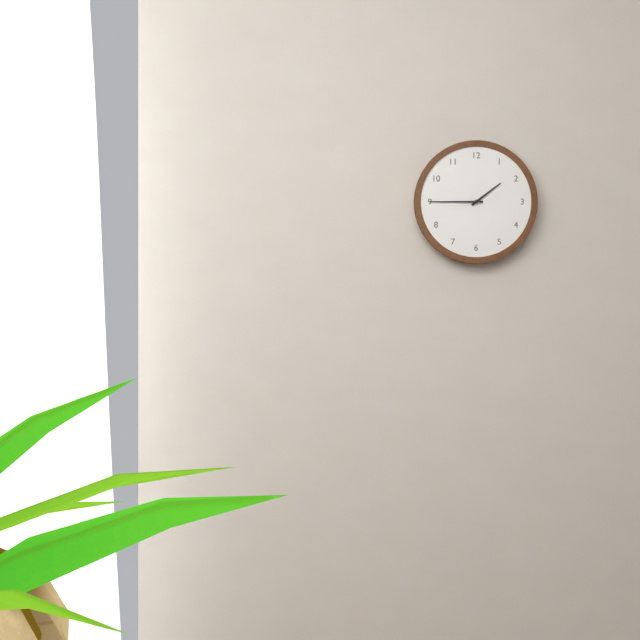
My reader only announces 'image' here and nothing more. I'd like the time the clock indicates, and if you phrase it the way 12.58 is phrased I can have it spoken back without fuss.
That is 1.45
